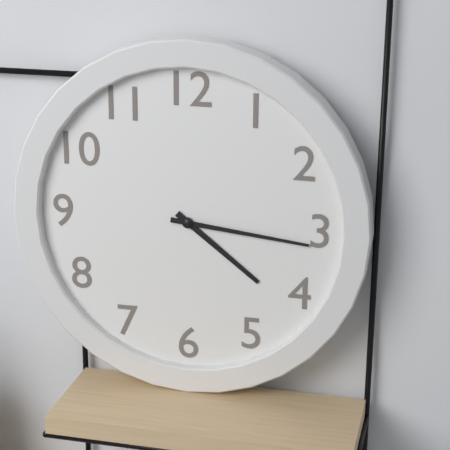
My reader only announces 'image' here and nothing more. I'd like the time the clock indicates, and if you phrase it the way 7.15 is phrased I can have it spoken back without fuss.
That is 4.16
